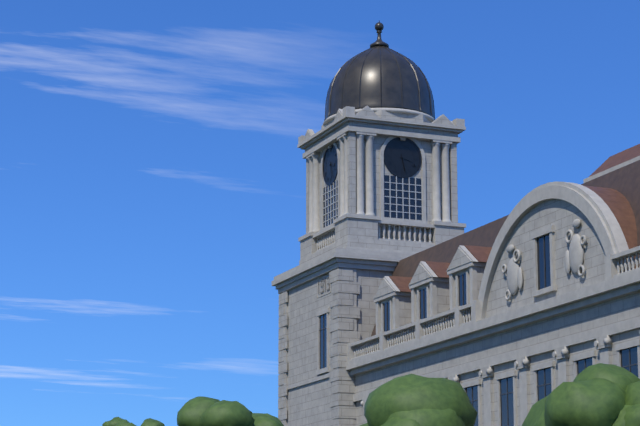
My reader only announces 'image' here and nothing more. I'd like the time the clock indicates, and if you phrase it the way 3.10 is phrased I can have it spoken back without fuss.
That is 3.28
